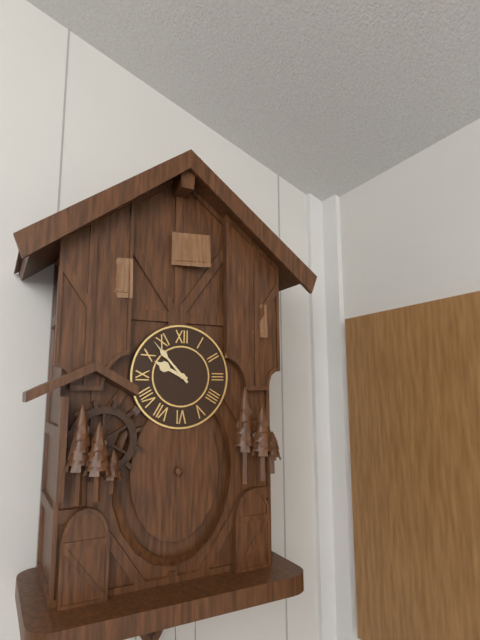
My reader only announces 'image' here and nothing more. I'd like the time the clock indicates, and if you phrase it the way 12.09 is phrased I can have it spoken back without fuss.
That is 9.53
